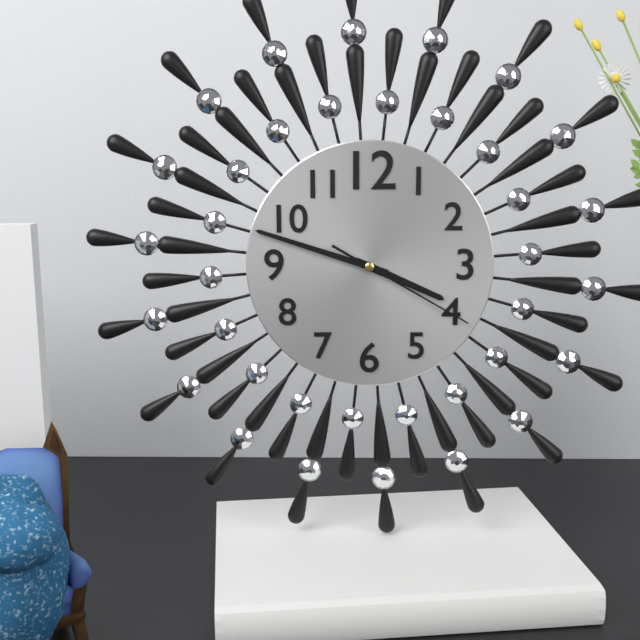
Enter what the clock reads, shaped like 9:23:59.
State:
3:48:20
